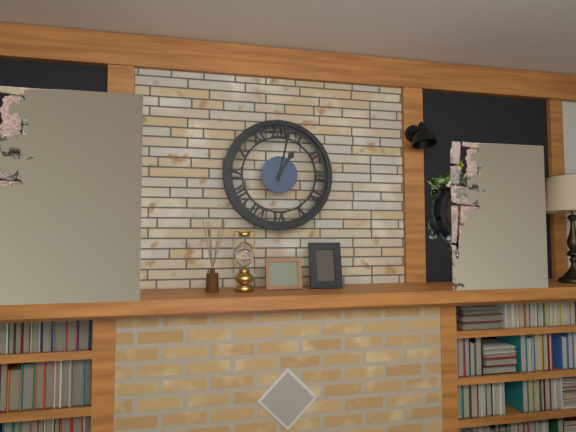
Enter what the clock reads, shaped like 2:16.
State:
1:02
